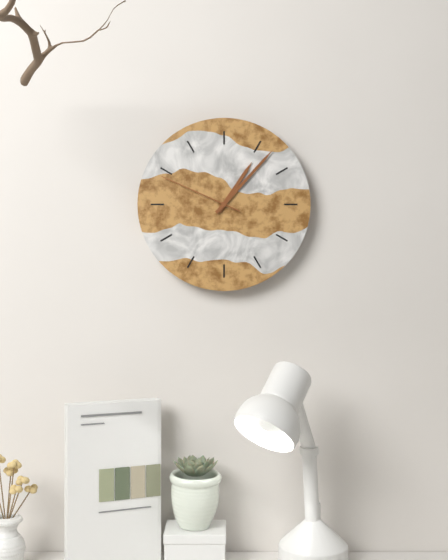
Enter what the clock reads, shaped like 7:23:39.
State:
1:07:49
